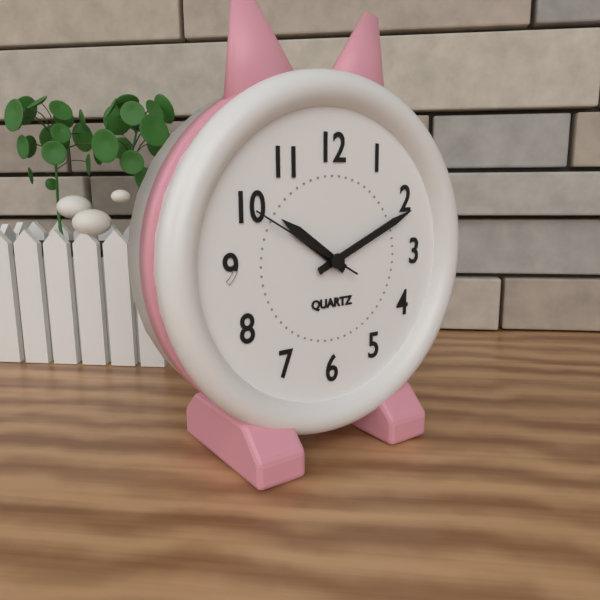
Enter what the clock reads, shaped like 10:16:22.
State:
10:11:50
